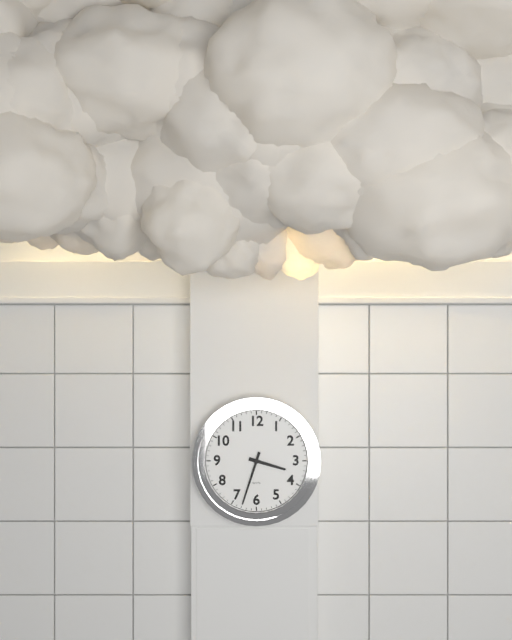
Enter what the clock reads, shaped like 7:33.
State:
3:33
